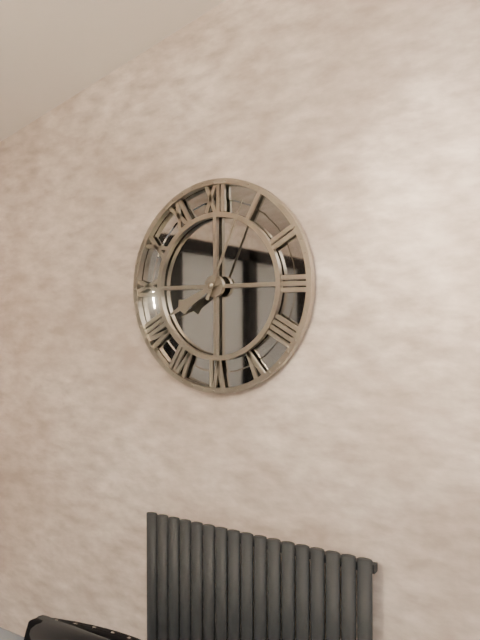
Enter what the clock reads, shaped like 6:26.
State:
8:04
